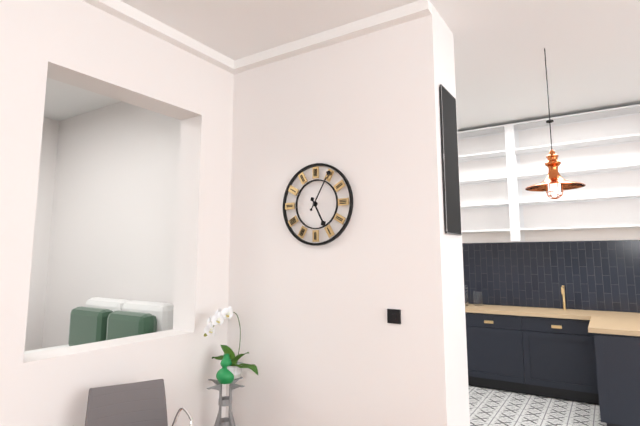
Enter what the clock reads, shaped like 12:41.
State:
5:05
